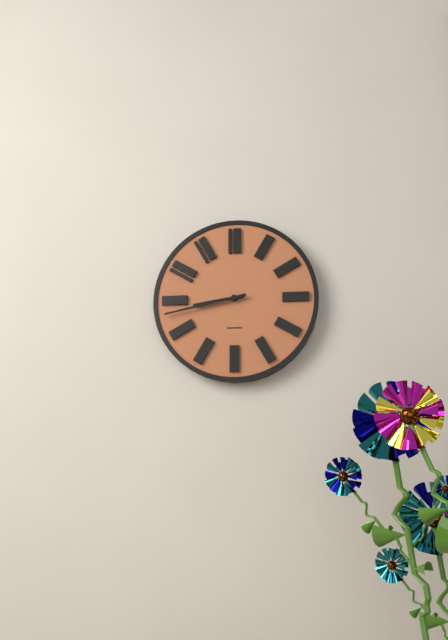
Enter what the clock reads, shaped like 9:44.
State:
8:43
